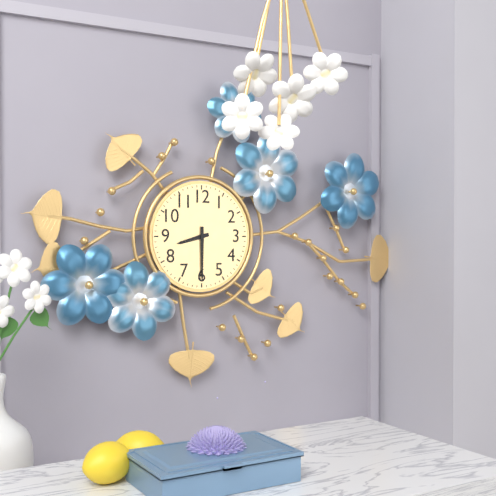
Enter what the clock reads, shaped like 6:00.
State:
8:30
